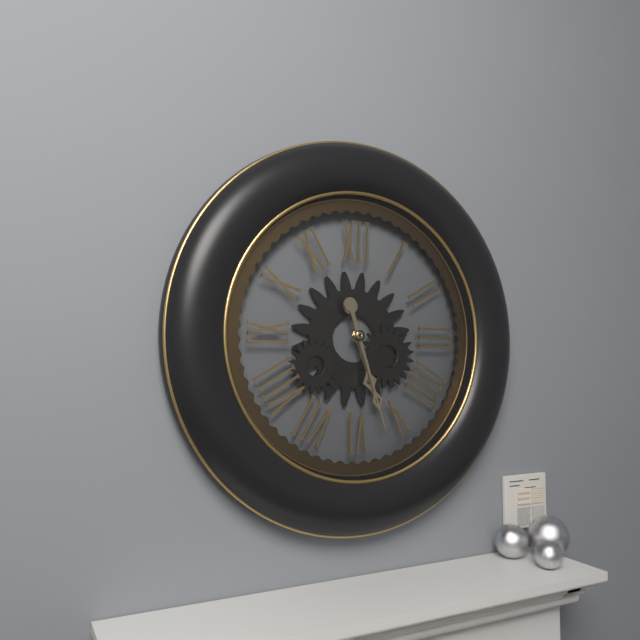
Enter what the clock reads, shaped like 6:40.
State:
5:27
